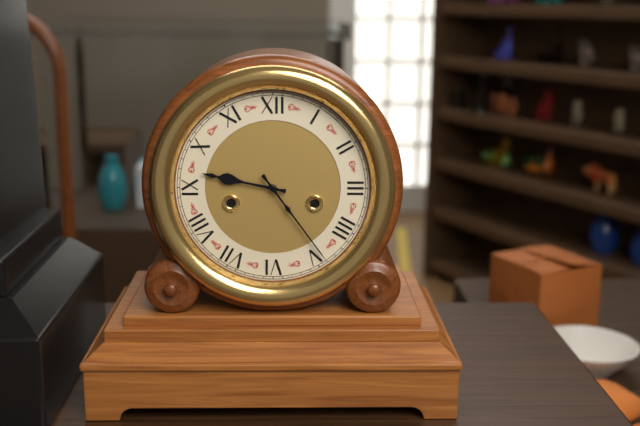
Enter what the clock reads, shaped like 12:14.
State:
9:24
